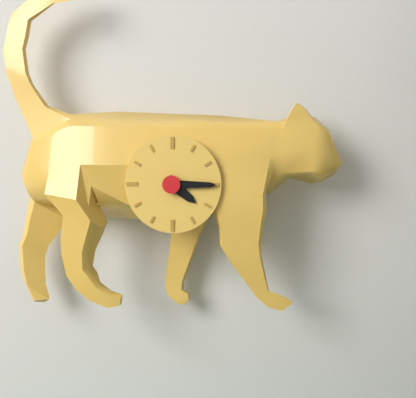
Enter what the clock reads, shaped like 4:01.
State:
4:15
